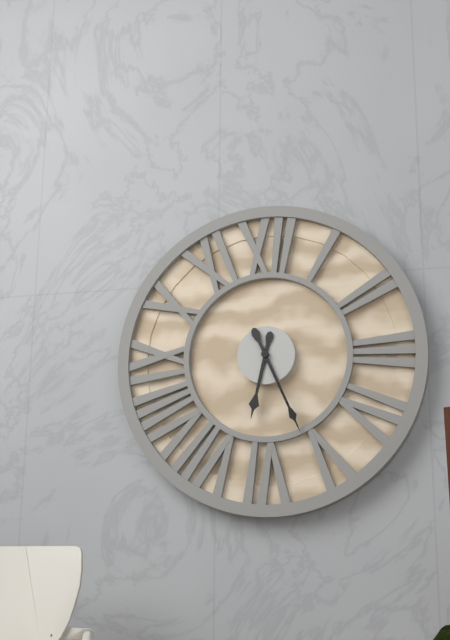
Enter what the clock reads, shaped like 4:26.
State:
6:26
